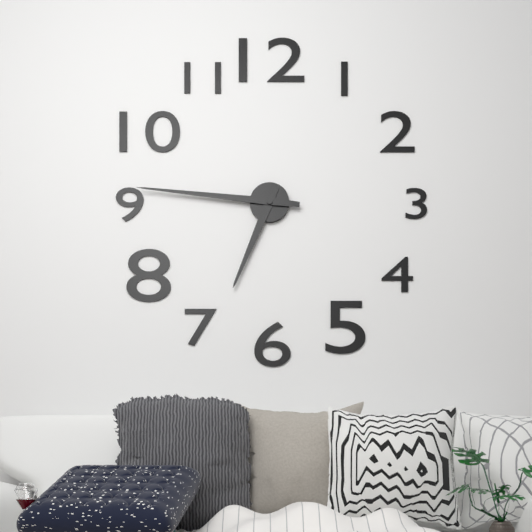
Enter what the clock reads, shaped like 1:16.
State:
6:46
